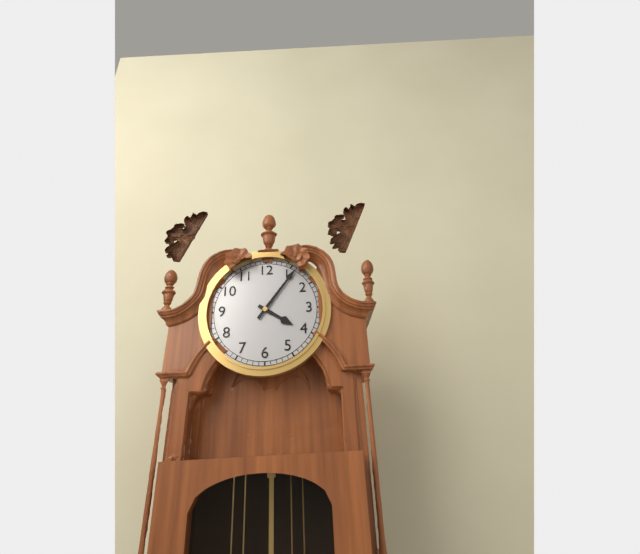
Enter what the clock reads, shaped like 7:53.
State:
4:06
